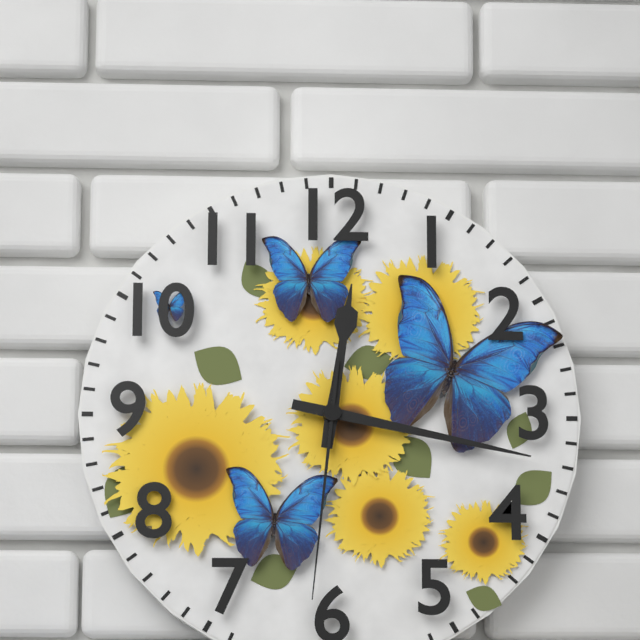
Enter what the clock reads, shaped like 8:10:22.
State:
12:17:31
